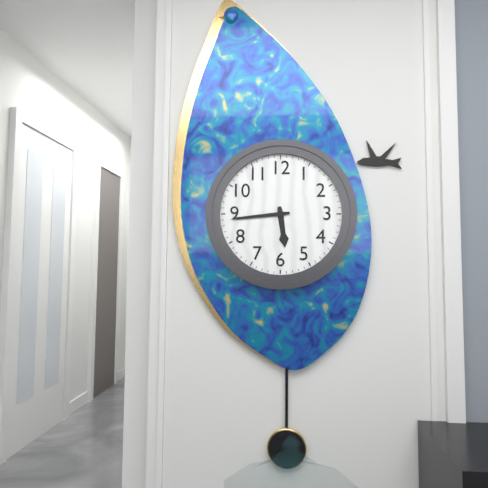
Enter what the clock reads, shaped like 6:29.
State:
5:44
